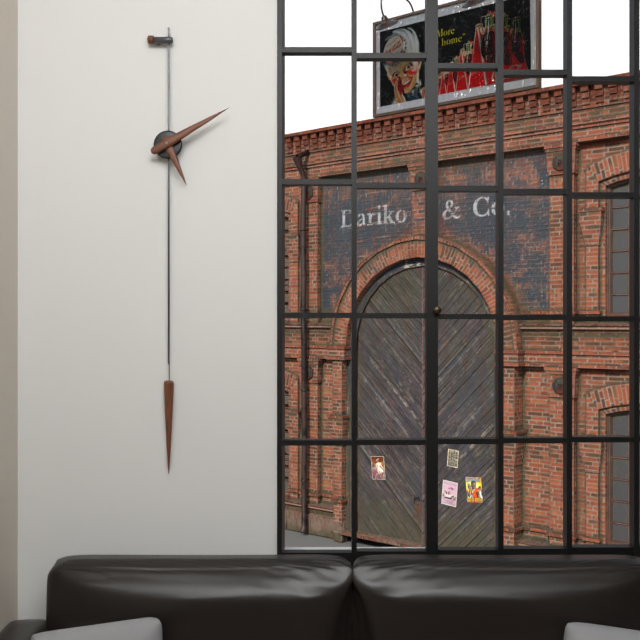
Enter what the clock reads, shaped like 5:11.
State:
5:10
